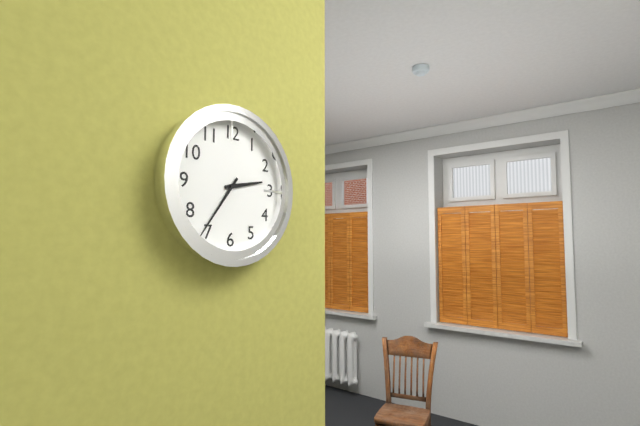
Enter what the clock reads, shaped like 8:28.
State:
2:36
